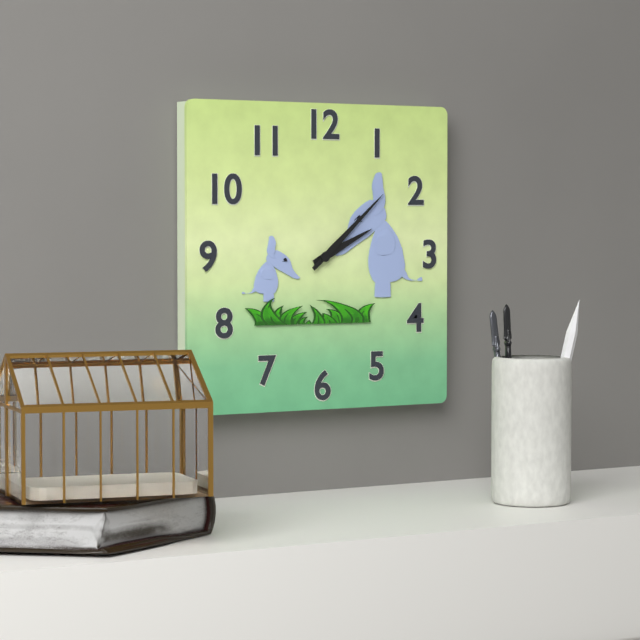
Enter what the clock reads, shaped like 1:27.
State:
2:08
